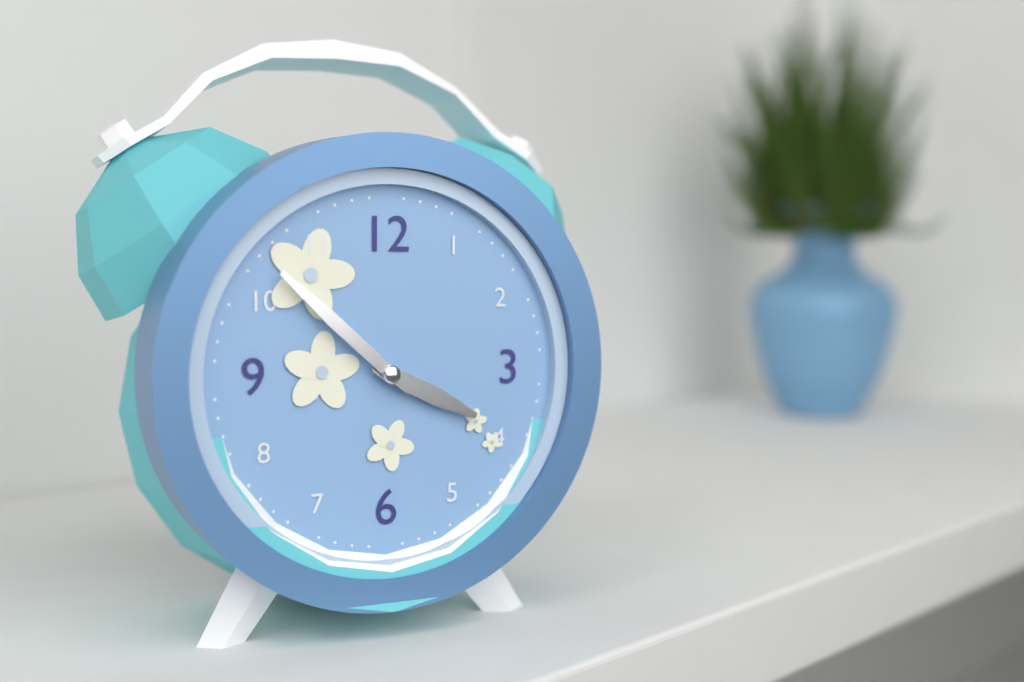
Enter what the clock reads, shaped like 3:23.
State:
3:52
